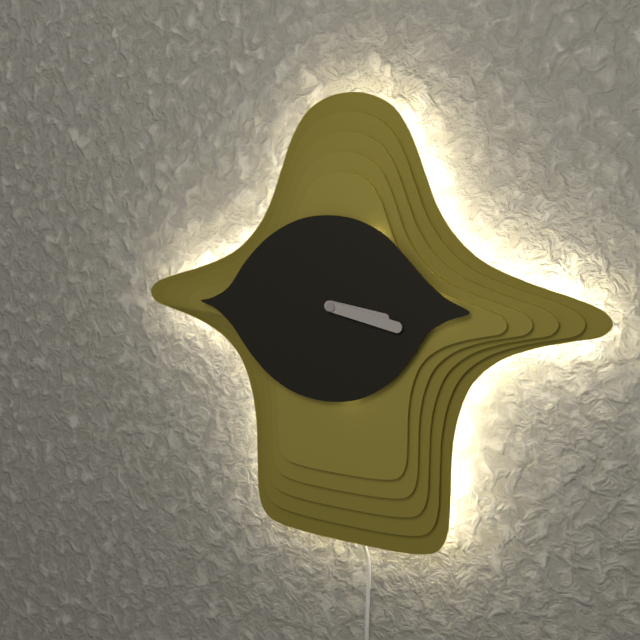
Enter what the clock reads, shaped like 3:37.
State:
3:17
